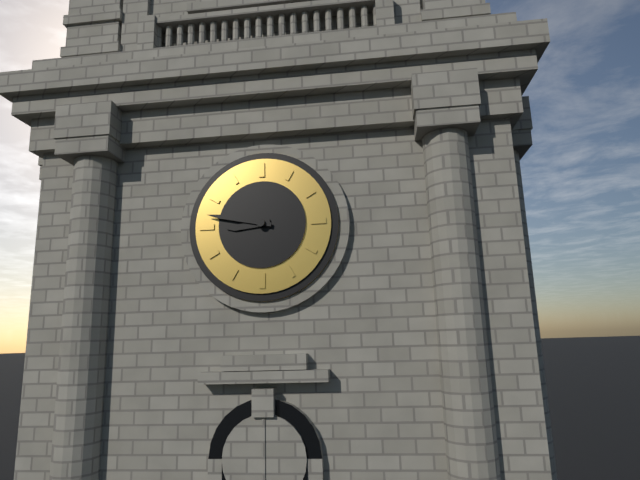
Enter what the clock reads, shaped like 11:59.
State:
8:47
